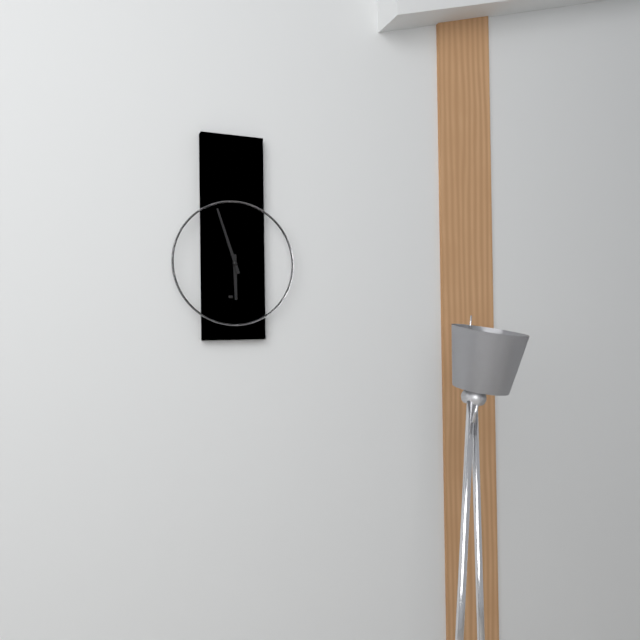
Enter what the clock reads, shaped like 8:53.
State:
5:57
